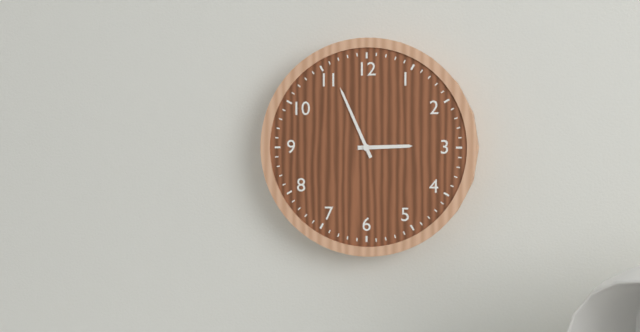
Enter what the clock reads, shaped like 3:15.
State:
2:56
